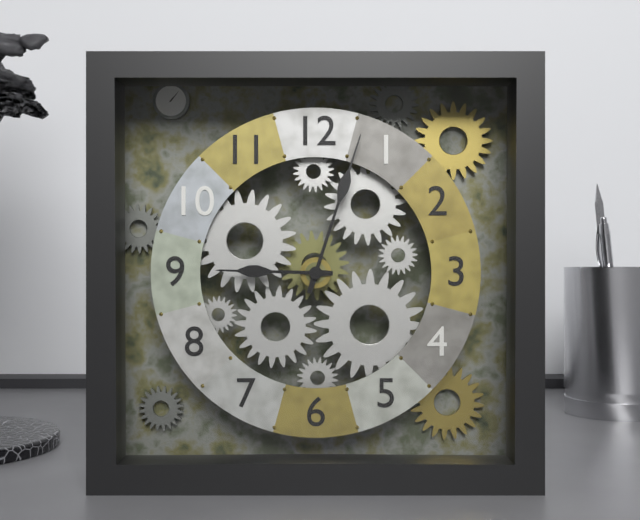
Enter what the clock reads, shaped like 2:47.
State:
9:03
